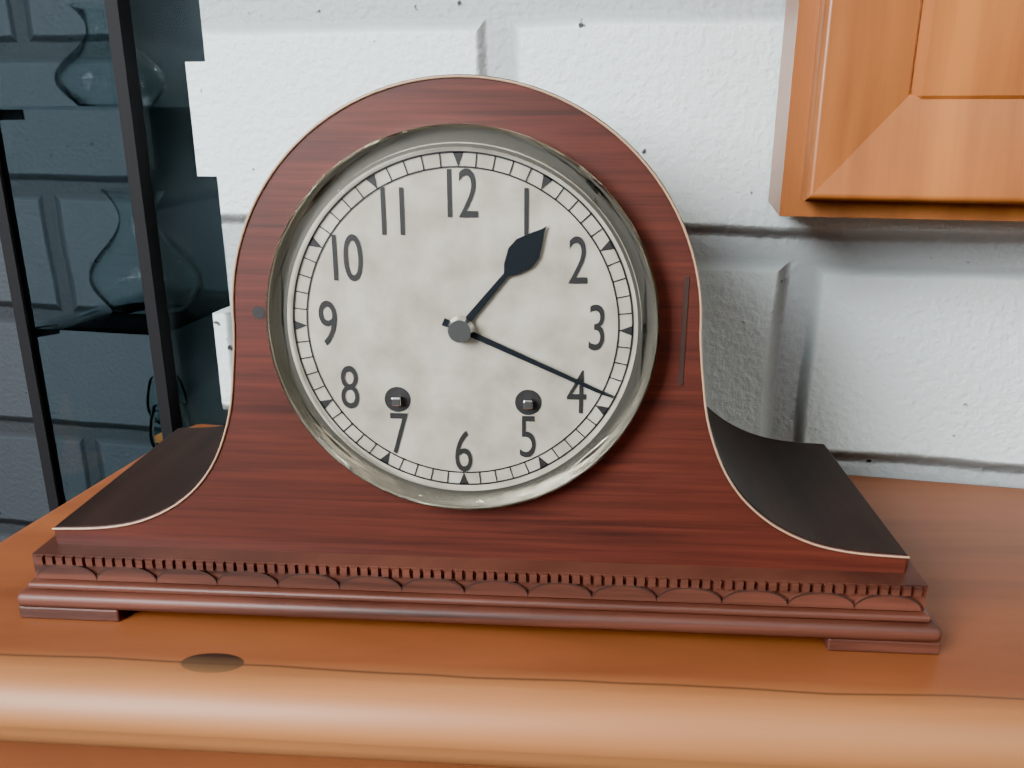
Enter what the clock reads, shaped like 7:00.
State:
1:19
